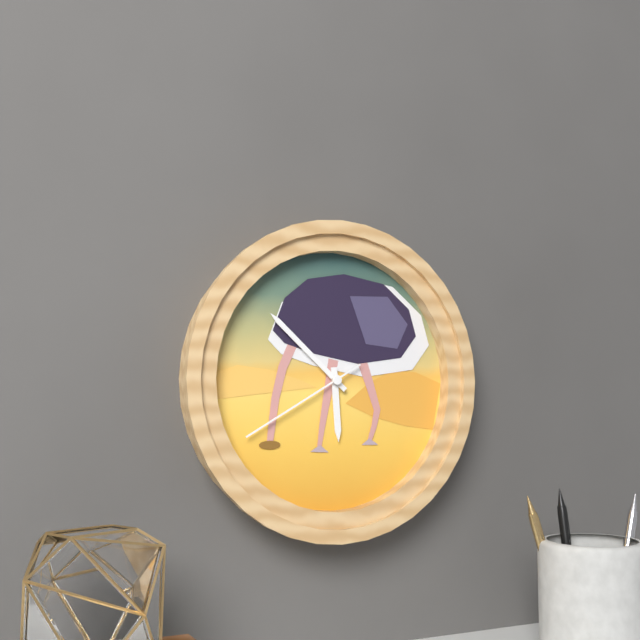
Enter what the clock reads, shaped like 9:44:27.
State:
5:52:40
